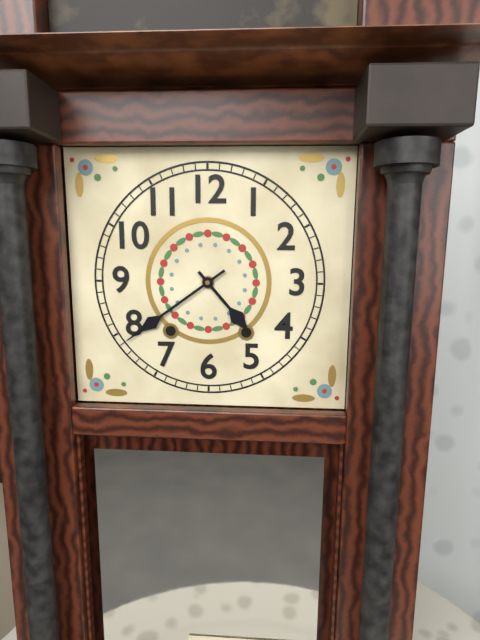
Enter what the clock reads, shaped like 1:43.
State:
4:39
